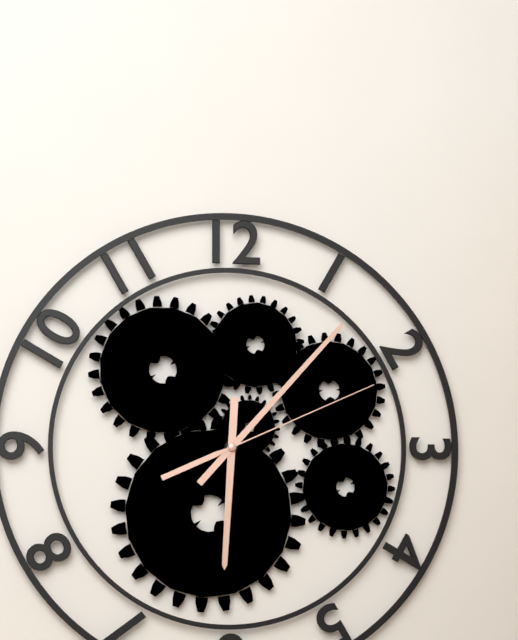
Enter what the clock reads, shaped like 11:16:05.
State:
6:07:11
